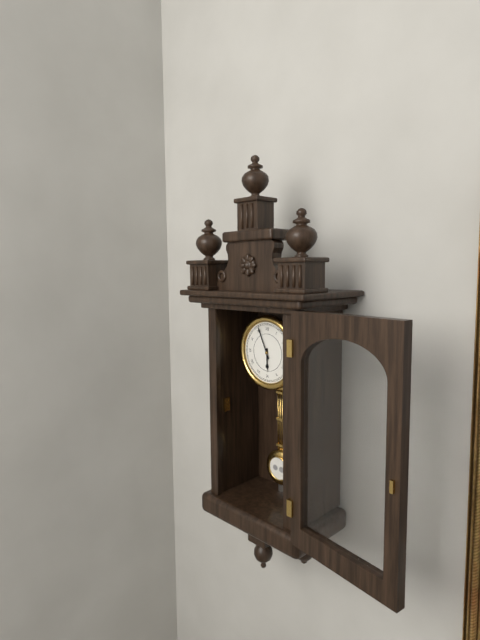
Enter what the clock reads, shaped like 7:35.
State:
5:56
